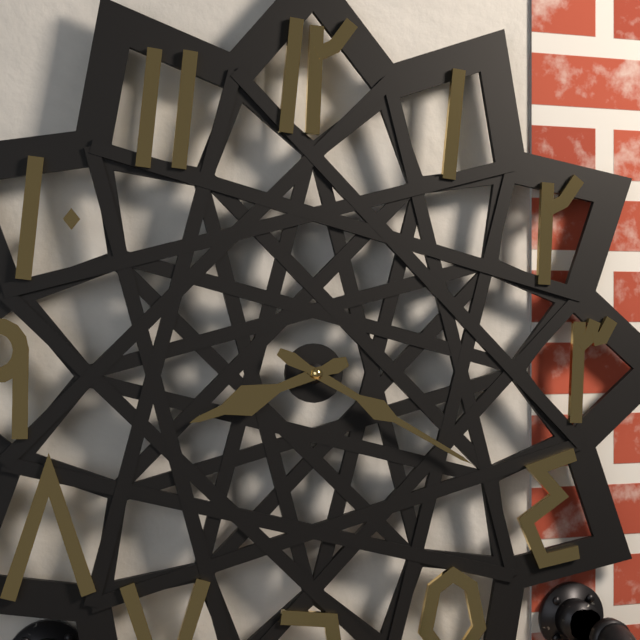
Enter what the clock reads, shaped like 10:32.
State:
8:20
